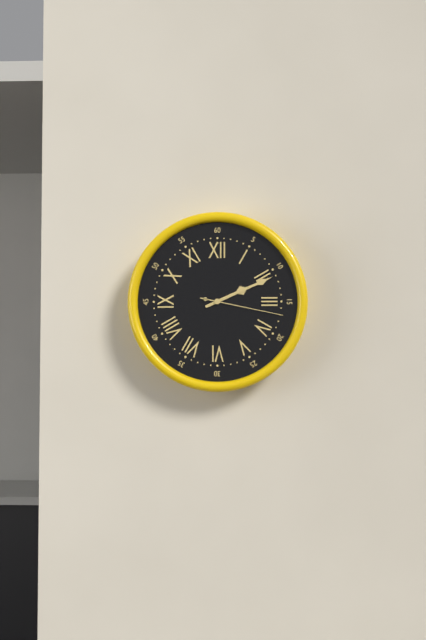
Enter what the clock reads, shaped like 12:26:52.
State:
2:11:17
